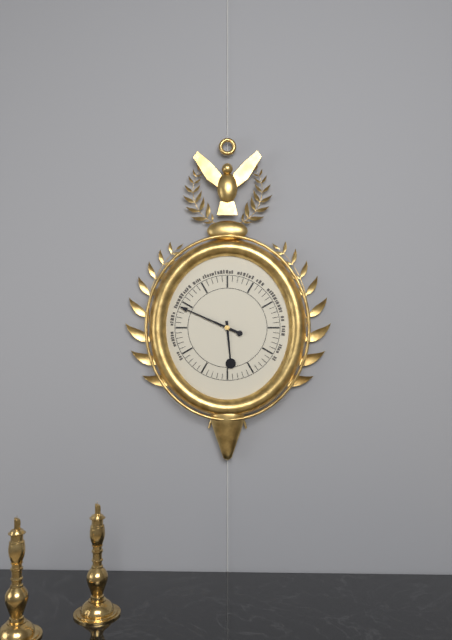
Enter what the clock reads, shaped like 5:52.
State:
5:49
